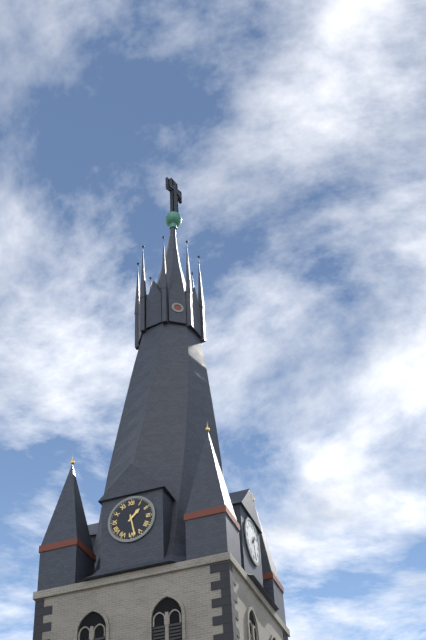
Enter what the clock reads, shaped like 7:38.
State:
1:28
